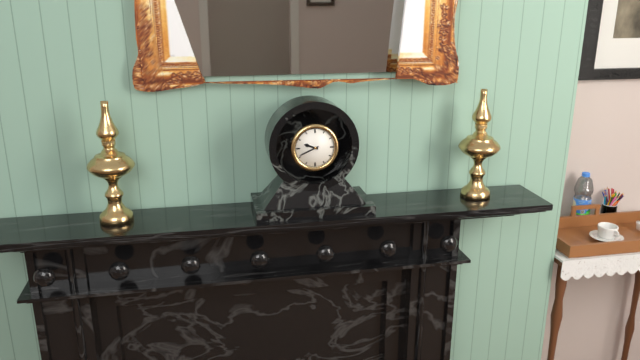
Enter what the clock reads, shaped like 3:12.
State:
9:41
